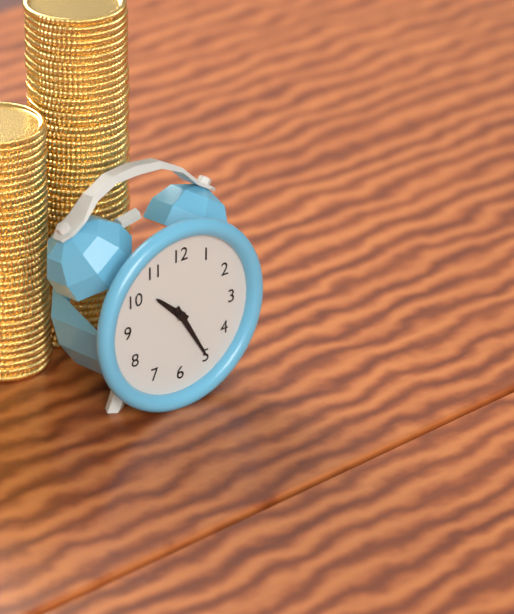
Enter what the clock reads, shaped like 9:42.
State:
10:25
